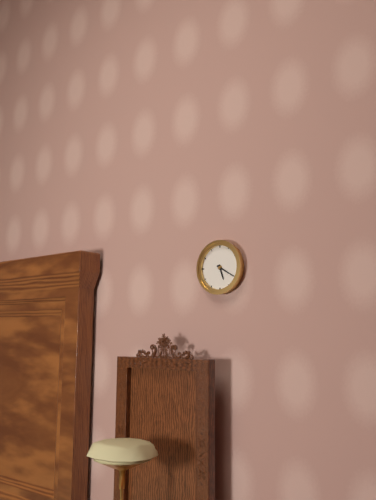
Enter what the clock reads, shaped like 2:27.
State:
5:20
